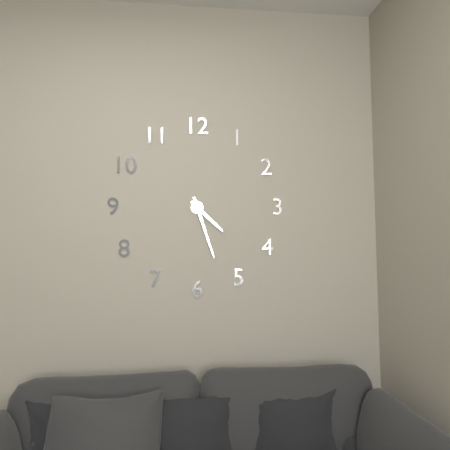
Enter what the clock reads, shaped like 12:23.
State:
4:27
